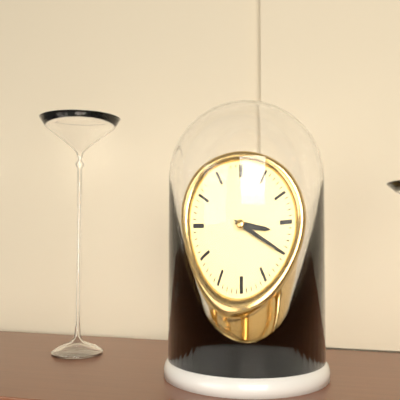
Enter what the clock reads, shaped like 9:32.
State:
3:20
